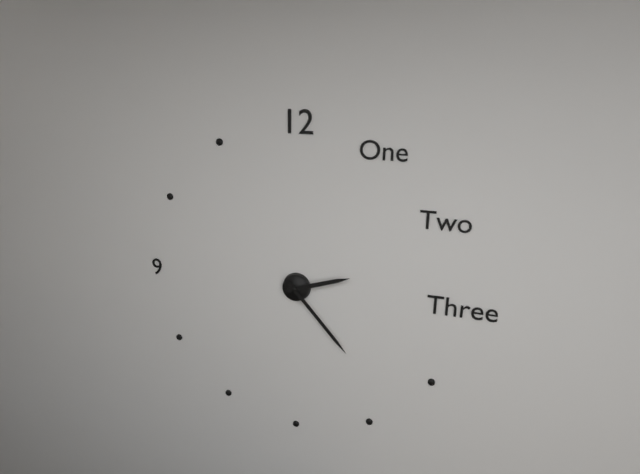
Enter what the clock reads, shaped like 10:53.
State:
2:23
